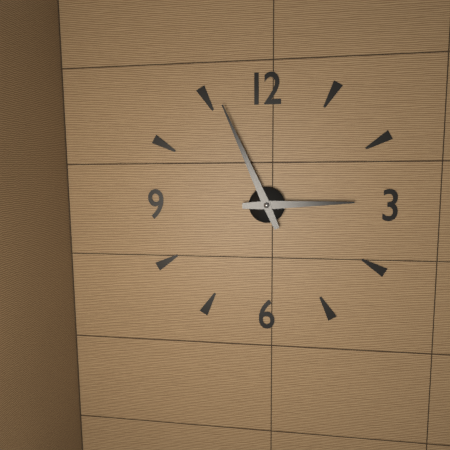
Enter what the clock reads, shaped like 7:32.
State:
2:56
